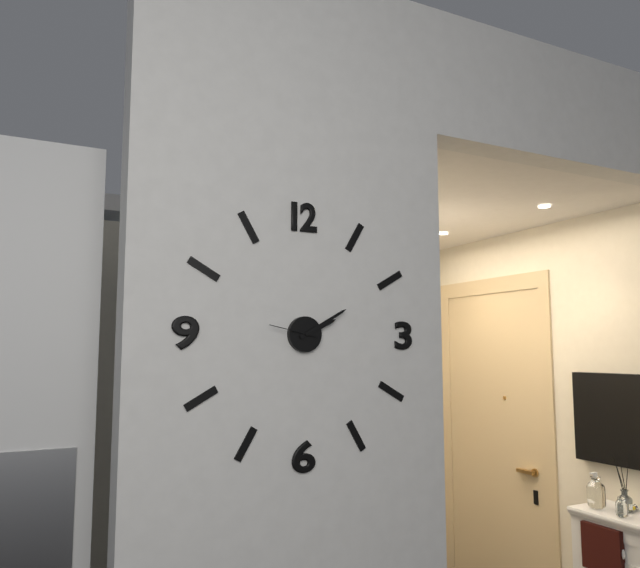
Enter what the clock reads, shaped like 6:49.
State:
2:10
